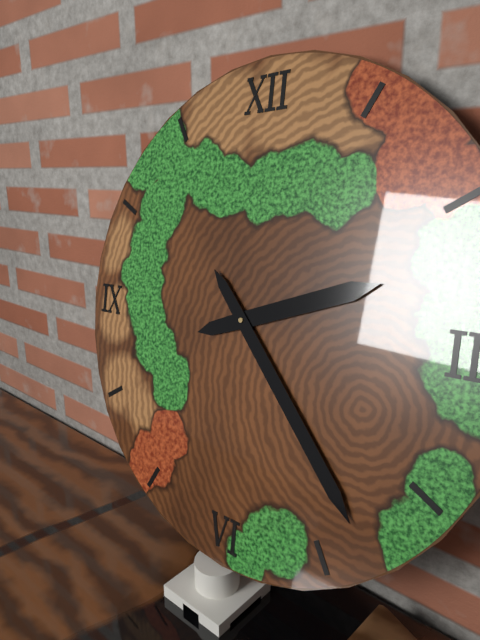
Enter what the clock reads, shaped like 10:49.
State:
2:23
